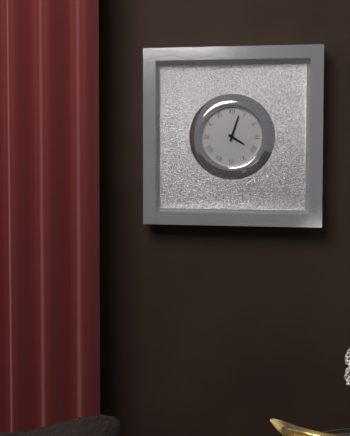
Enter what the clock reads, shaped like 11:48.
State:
4:03
